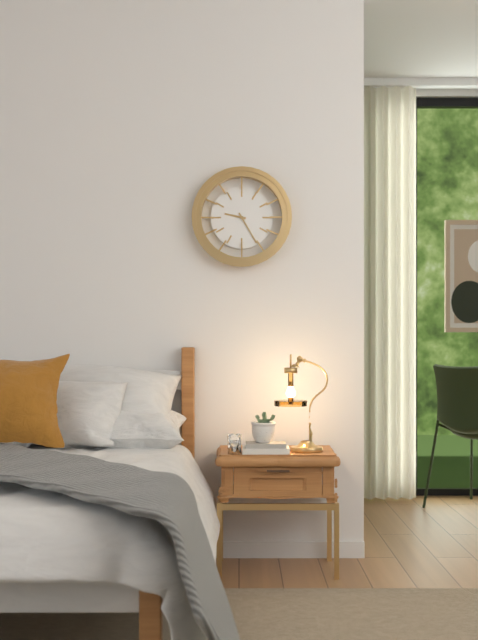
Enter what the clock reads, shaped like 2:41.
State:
9:25
